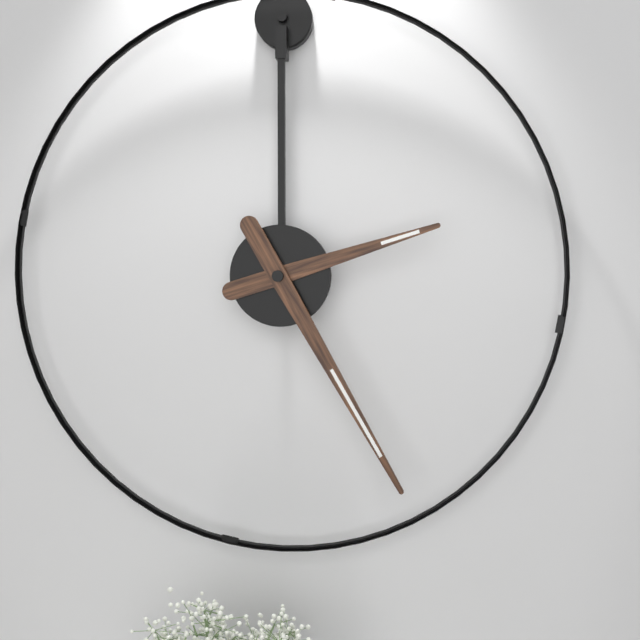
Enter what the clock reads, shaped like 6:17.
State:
2:25
